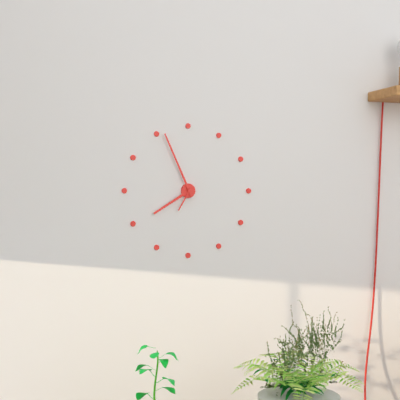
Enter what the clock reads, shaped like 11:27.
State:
7:56
